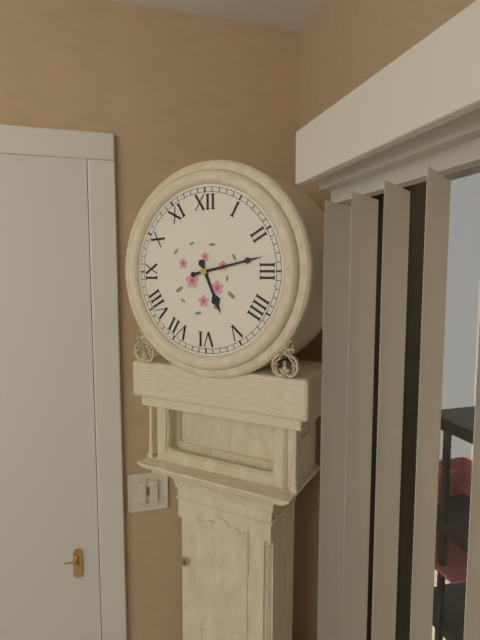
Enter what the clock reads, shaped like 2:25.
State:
5:13
